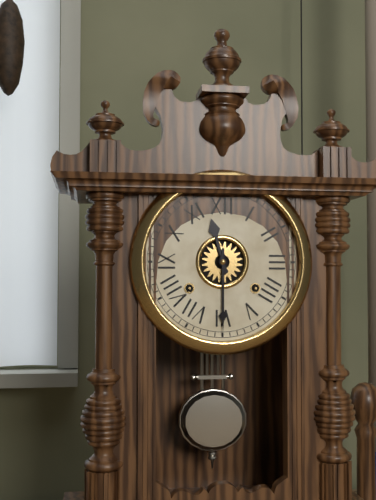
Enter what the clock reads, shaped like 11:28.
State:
11:30
